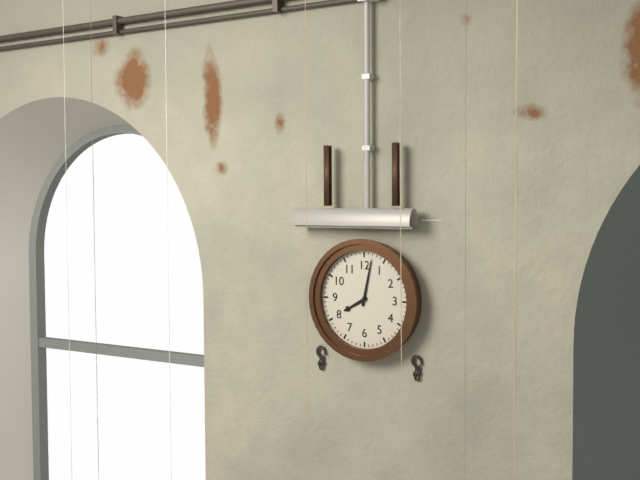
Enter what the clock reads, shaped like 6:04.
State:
8:02
